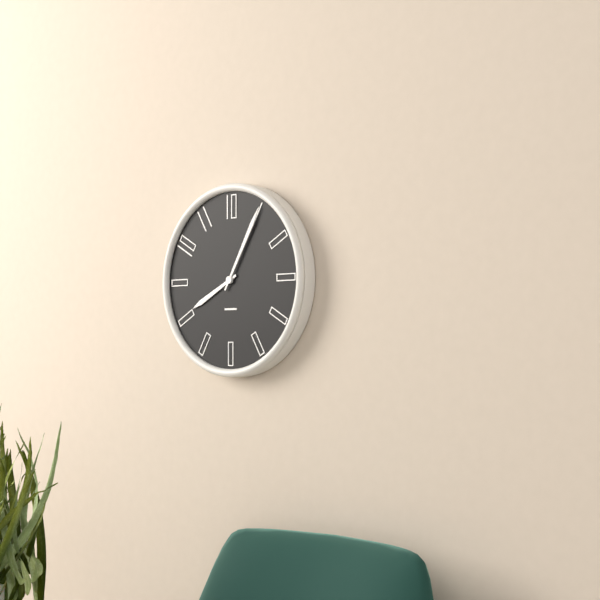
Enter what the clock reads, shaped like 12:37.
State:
8:05
